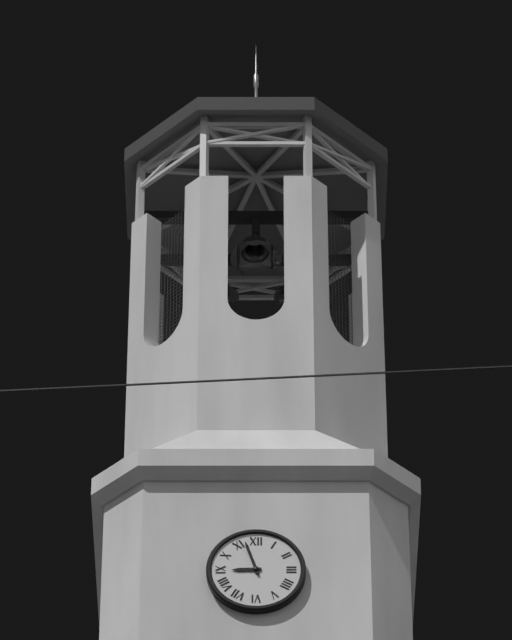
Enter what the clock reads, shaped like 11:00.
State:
8:57
